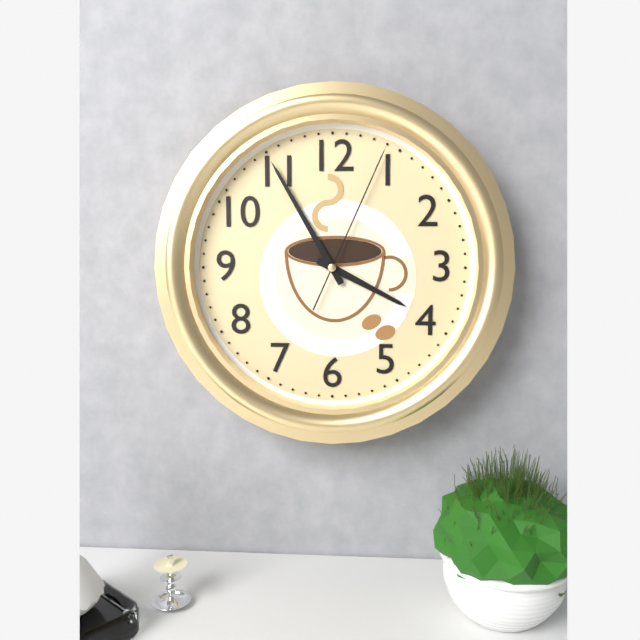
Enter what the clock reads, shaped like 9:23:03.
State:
3:55:04
